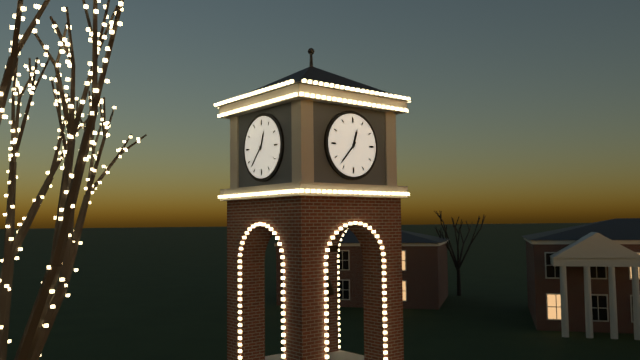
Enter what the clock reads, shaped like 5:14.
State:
12:37
